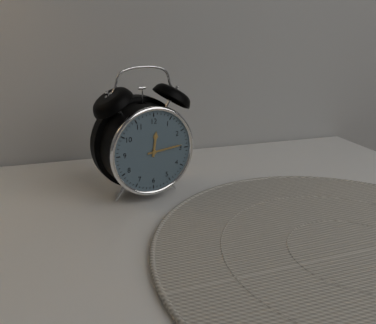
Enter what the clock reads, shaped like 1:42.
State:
12:14
